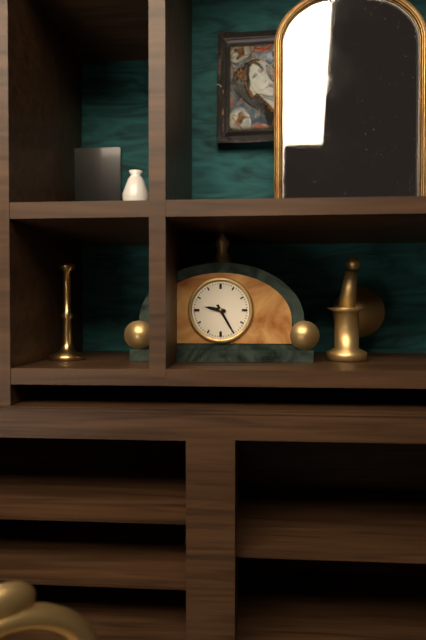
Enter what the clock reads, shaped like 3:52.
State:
9:25
